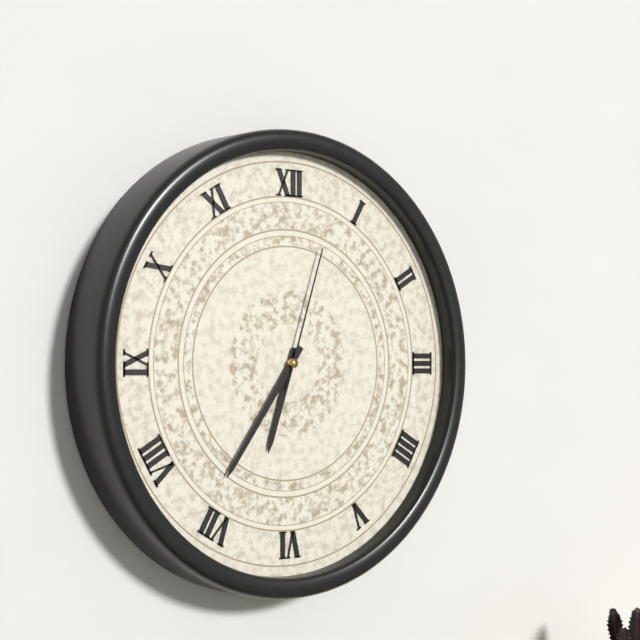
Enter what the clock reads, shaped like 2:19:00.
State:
6:36:03
